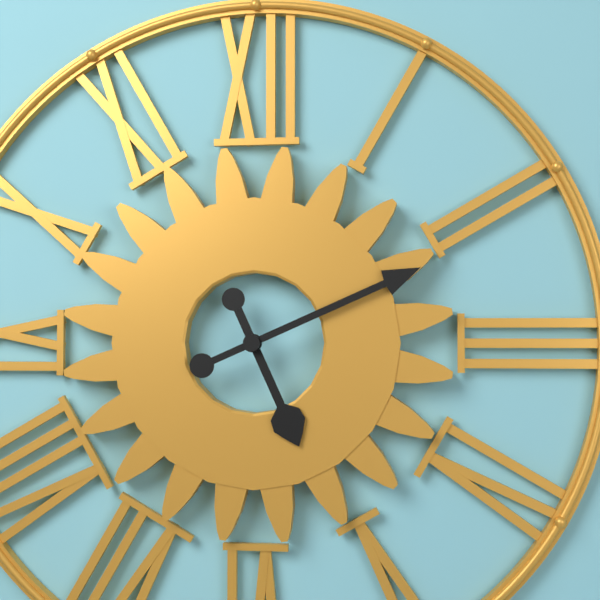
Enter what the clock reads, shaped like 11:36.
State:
5:11
